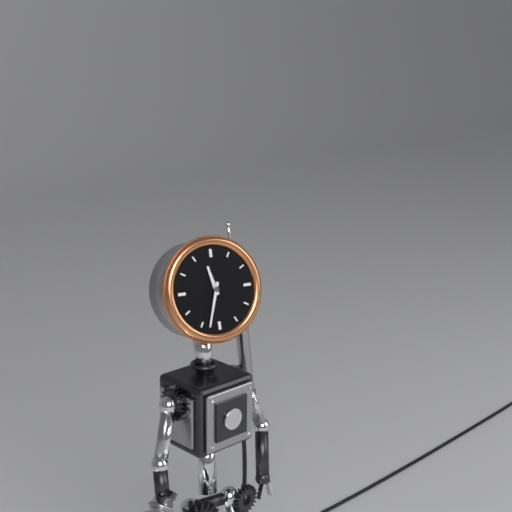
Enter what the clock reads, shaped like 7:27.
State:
11:33
